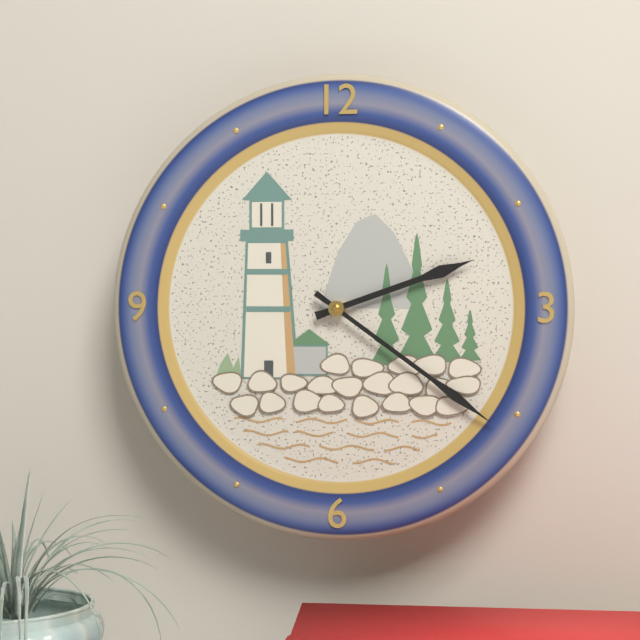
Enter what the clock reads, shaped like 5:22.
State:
2:21
